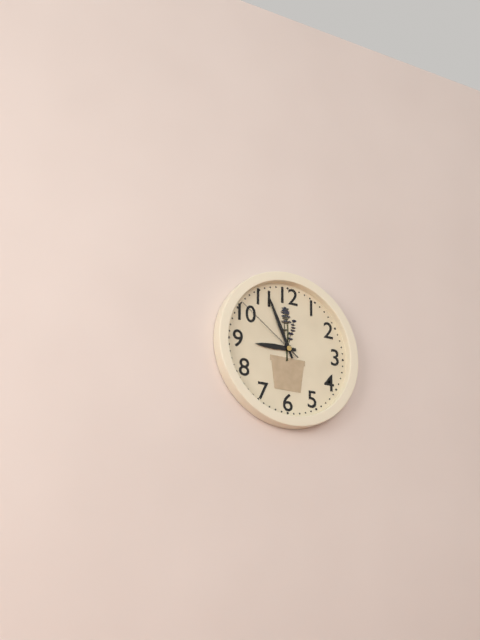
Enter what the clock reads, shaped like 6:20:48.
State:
8:56:51
